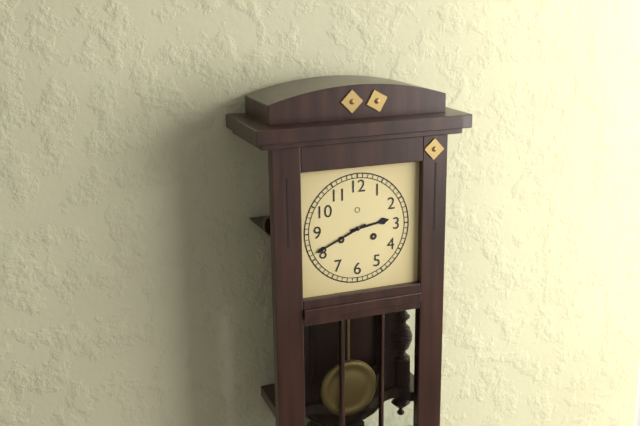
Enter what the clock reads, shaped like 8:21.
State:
2:41
